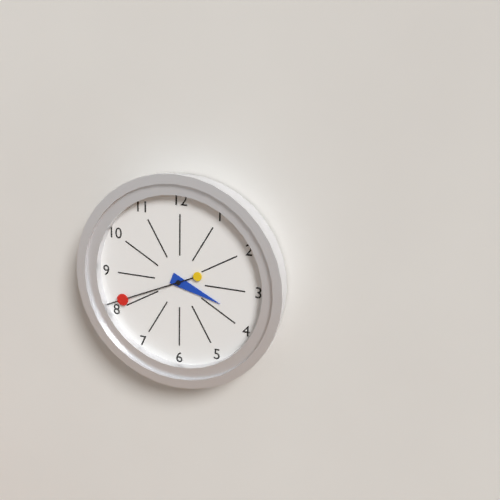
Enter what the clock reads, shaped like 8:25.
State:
3:41
